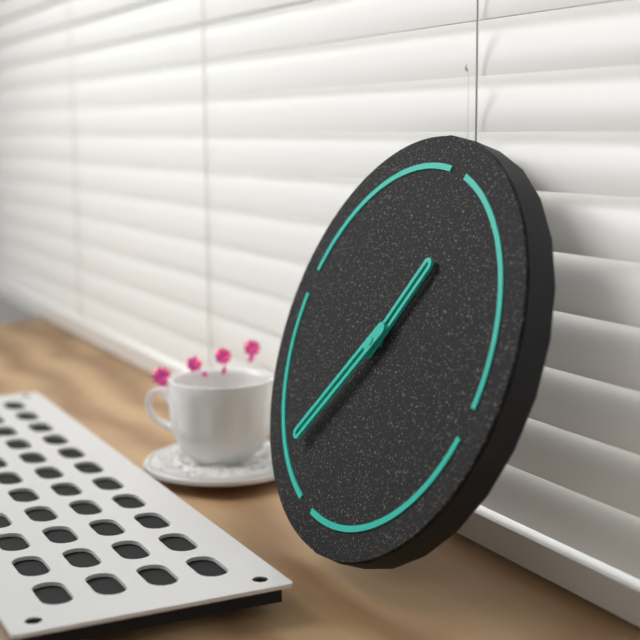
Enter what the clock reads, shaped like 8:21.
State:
12:34
